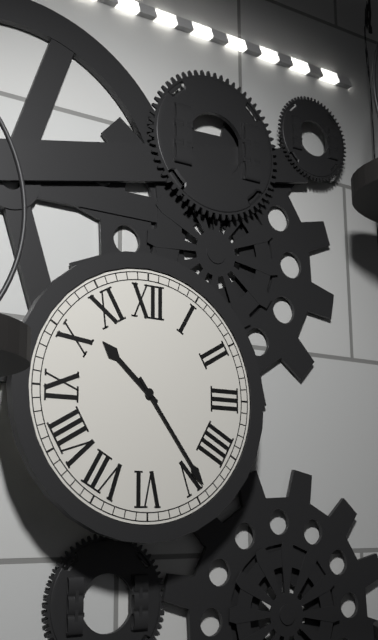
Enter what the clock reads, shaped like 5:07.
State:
10:24
